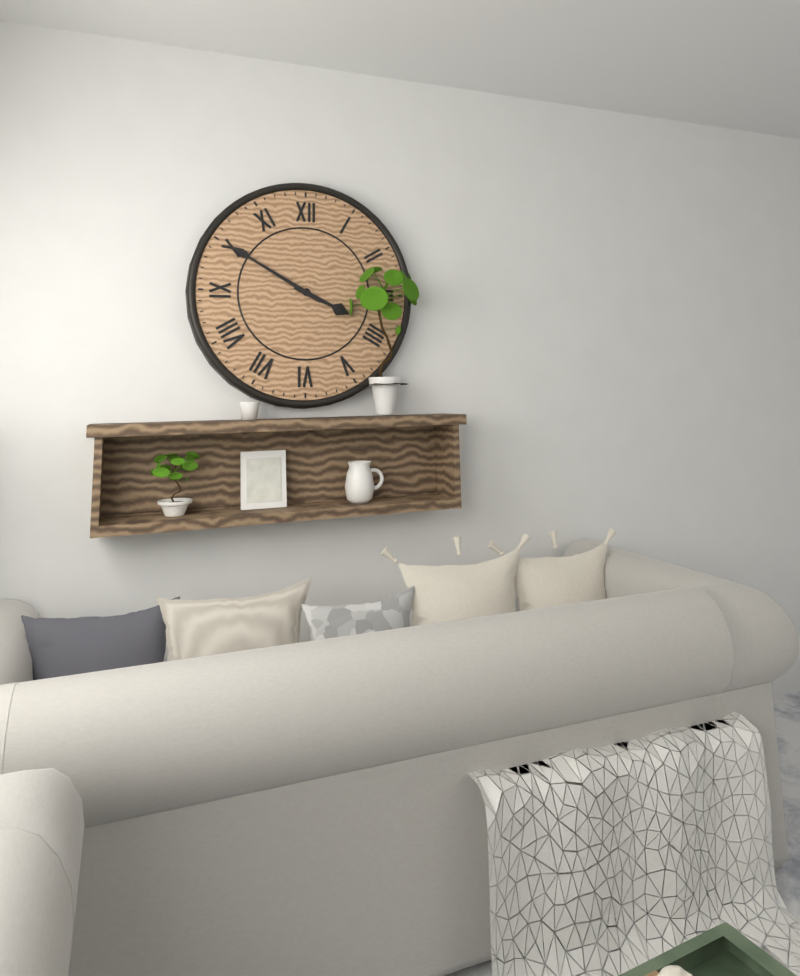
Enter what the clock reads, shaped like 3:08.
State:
3:50
